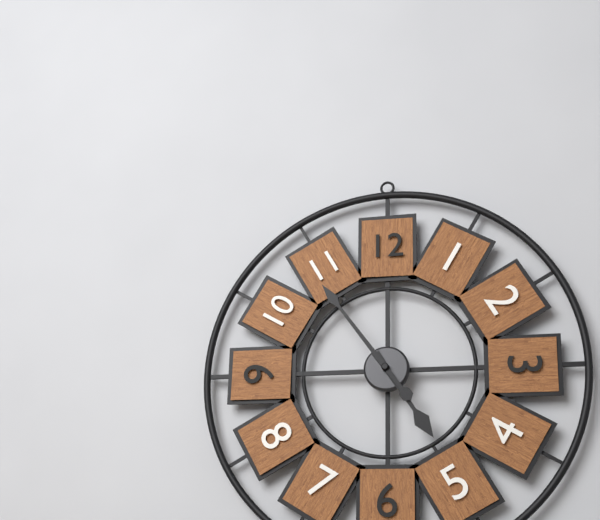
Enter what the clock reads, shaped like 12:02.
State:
4:54
